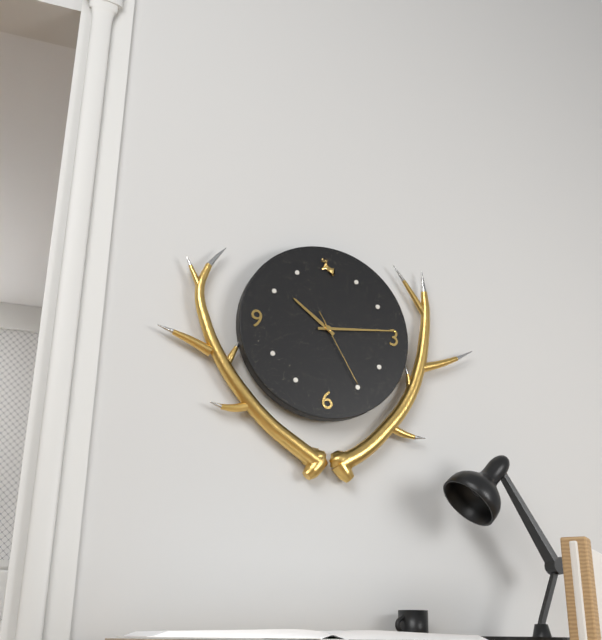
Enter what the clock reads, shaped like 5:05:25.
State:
10:14:25
